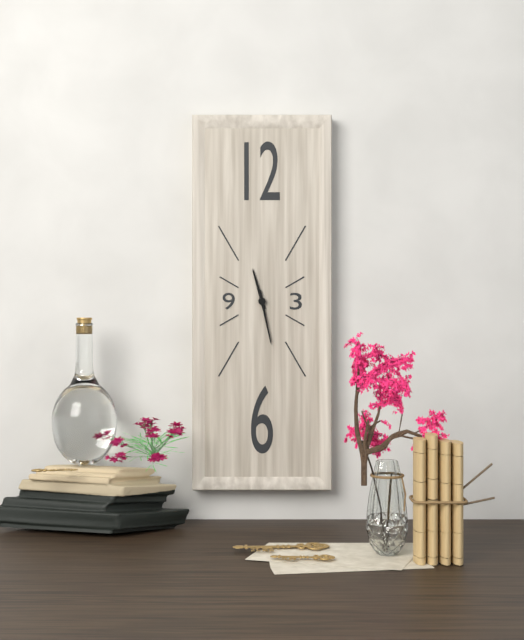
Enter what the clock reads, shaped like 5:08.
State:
11:28
